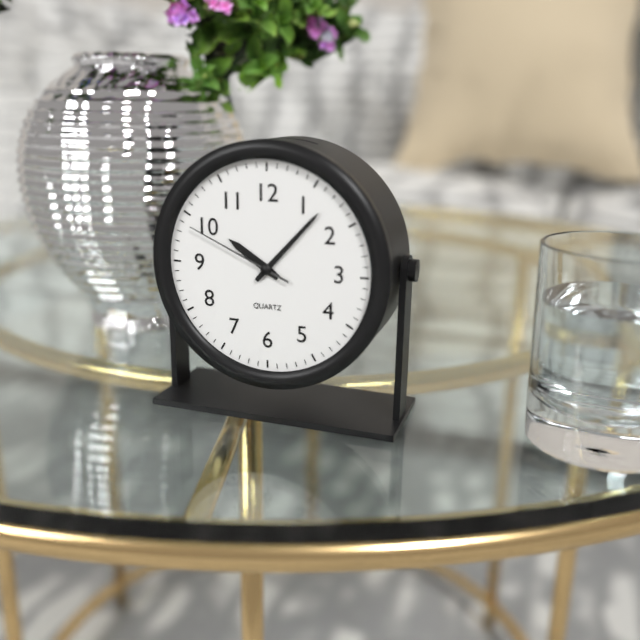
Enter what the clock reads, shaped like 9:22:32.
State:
10:07:49
